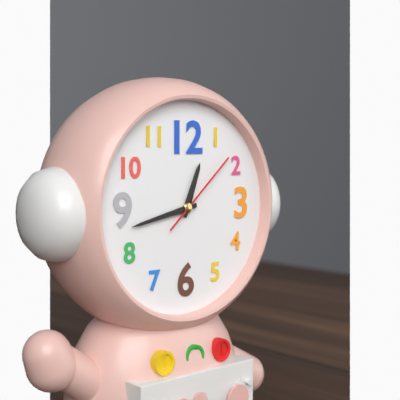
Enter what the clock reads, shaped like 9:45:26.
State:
12:43:08
